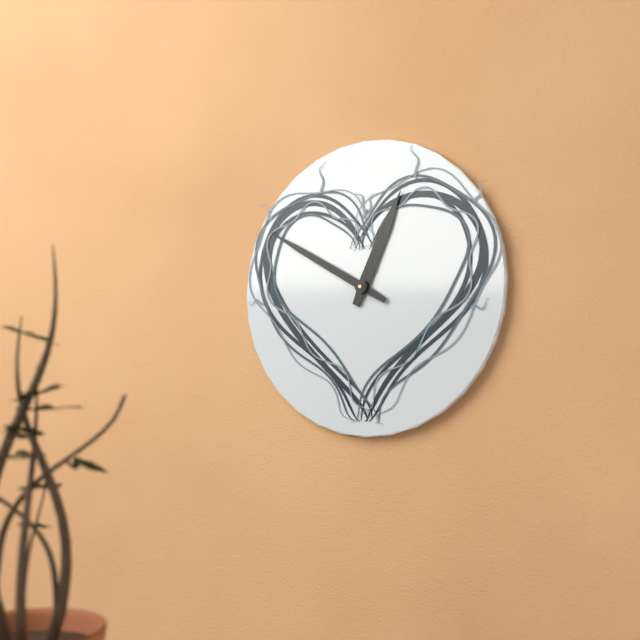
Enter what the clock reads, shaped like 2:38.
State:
12:50
